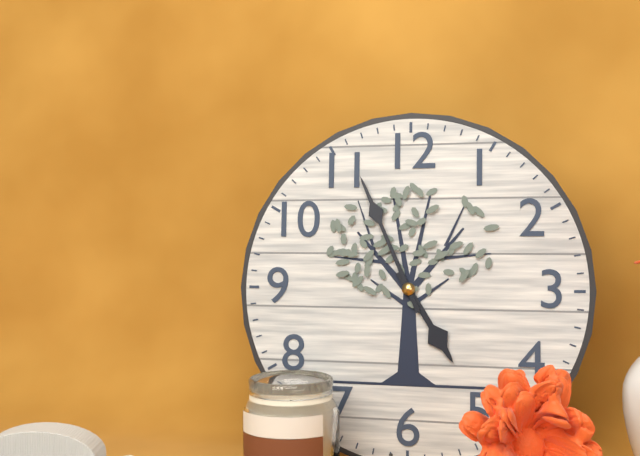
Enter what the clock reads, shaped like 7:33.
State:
4:56
